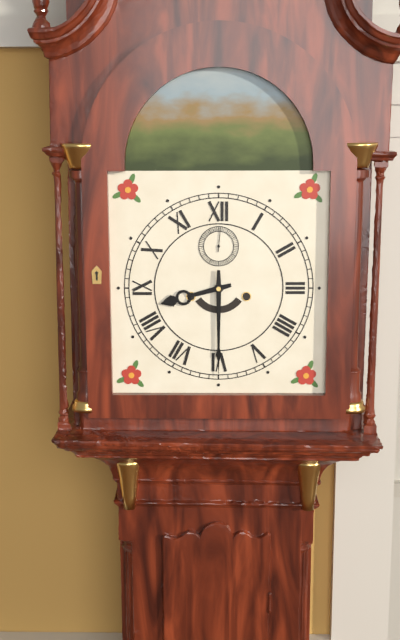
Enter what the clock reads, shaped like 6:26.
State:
8:30
